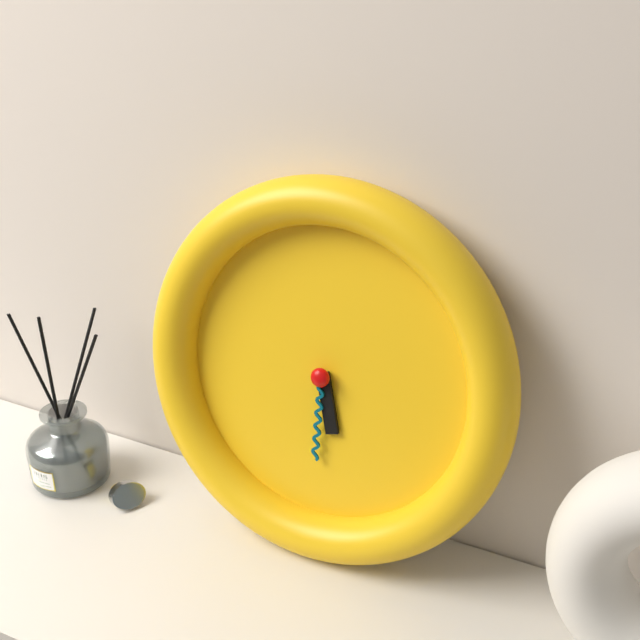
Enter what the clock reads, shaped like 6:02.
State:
5:30
